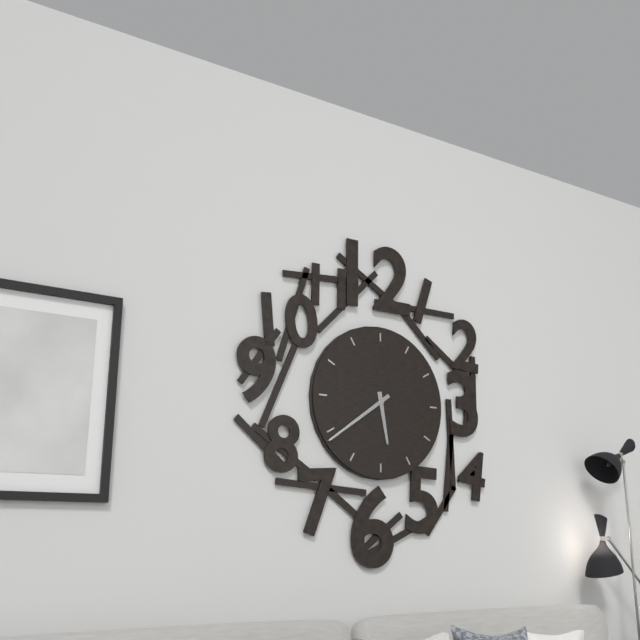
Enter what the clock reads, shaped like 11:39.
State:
5:39
